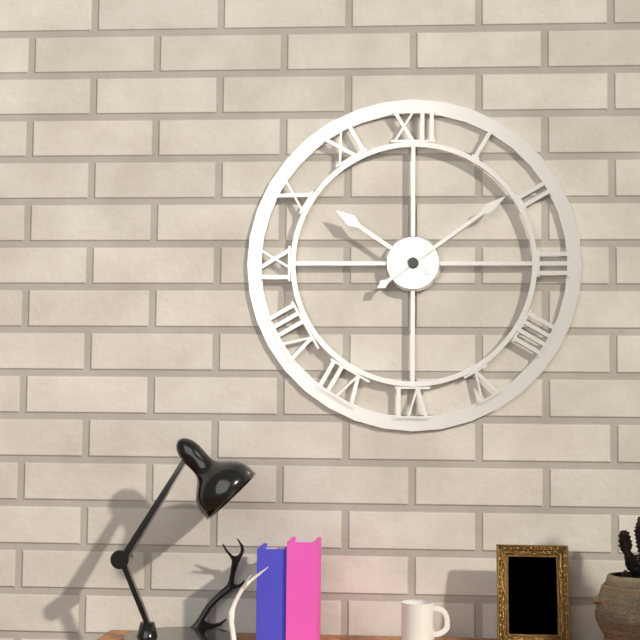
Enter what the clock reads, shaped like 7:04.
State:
10:09
